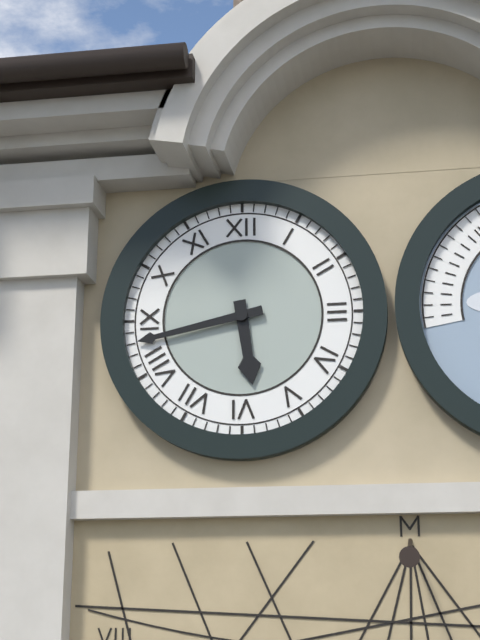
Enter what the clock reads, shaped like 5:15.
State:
5:43
